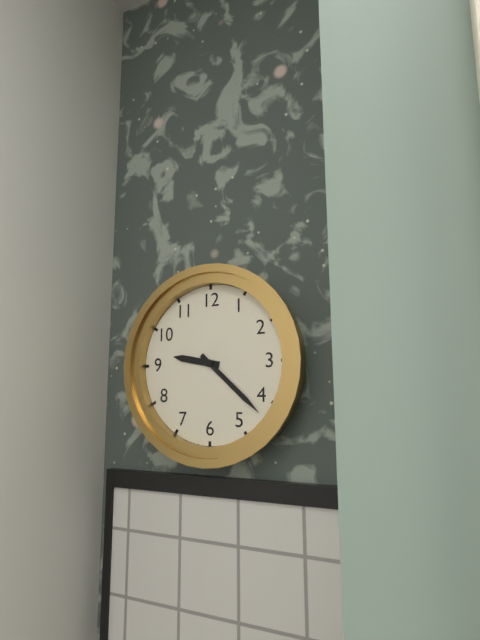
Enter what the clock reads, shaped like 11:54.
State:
9:22
